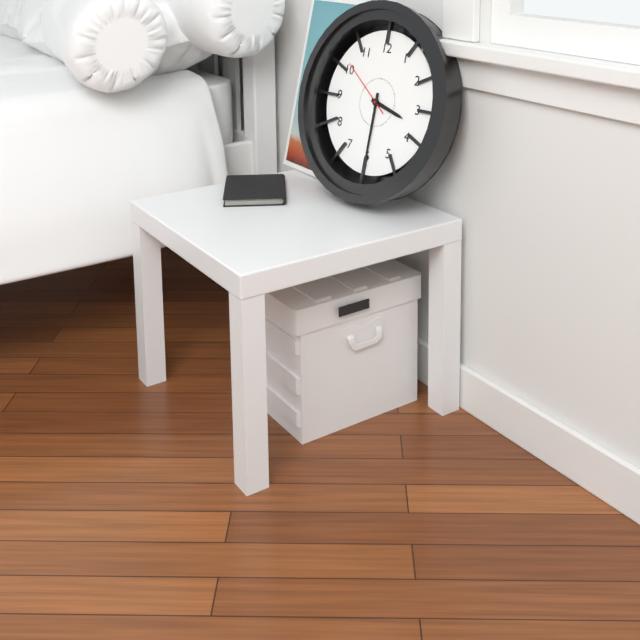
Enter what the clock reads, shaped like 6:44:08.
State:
3:30:51
